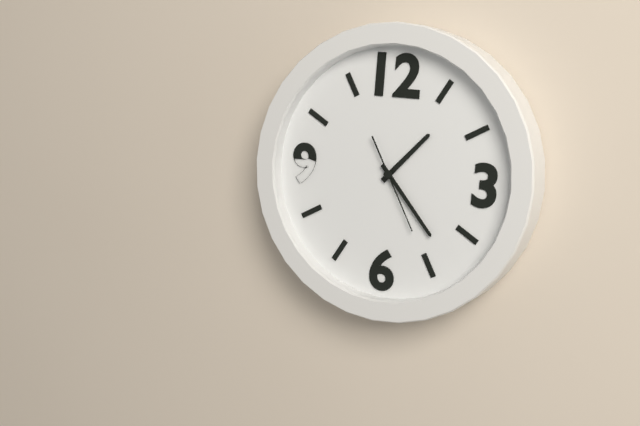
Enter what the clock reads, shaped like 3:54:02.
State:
1:23:25
